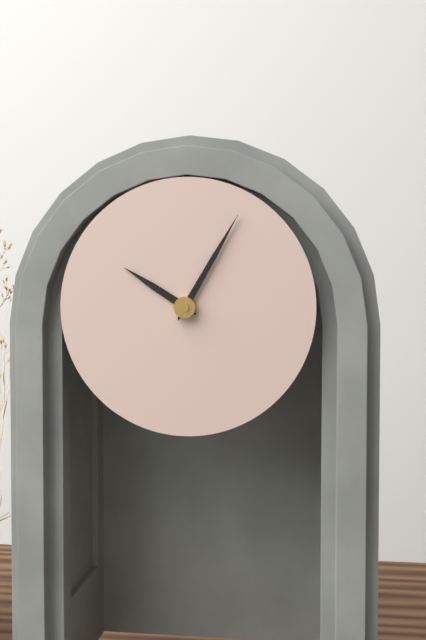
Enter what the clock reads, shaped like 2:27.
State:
10:05
